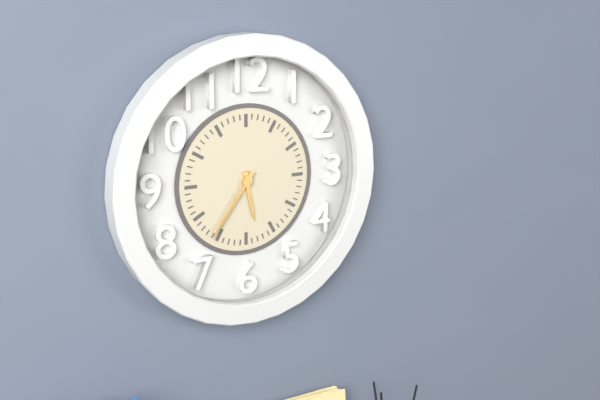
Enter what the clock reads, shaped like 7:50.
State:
5:36
